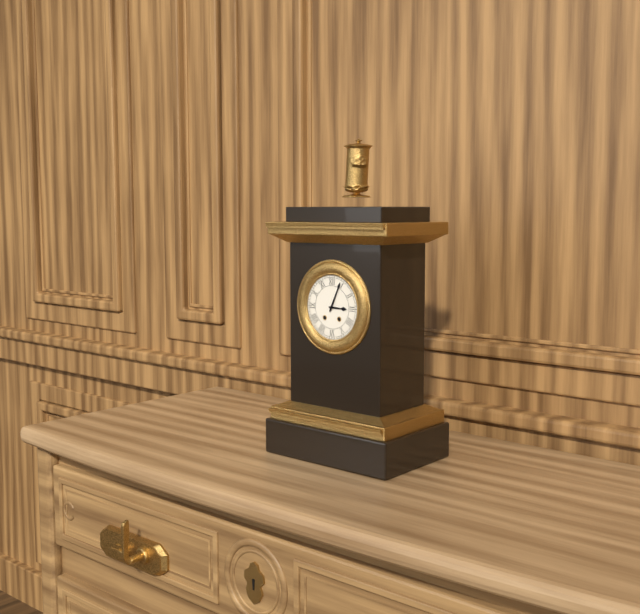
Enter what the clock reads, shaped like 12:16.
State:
3:04
